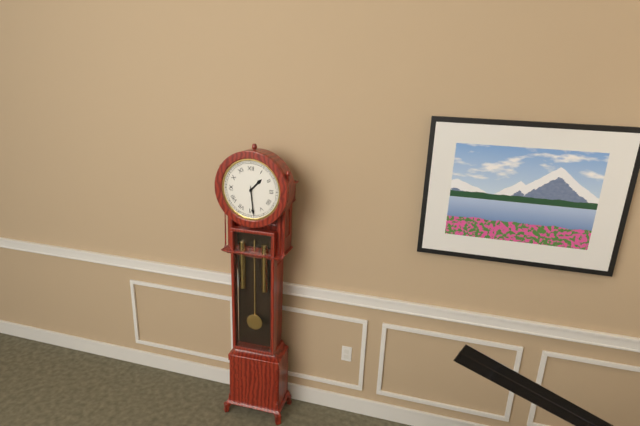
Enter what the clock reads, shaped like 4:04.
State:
1:29
